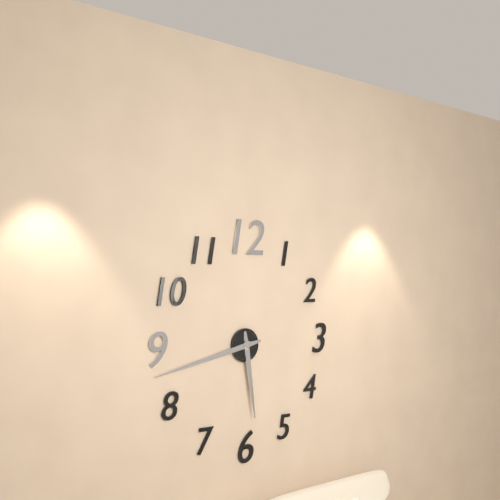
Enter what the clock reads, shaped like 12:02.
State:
5:43
